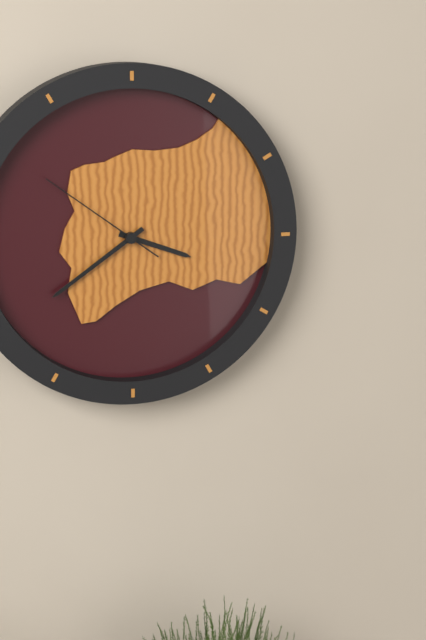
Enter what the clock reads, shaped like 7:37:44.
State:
3:39:51
